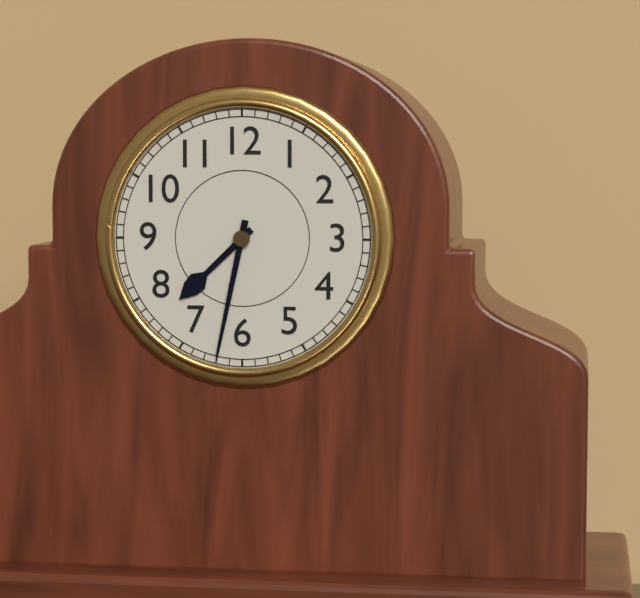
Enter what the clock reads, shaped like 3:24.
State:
7:32
